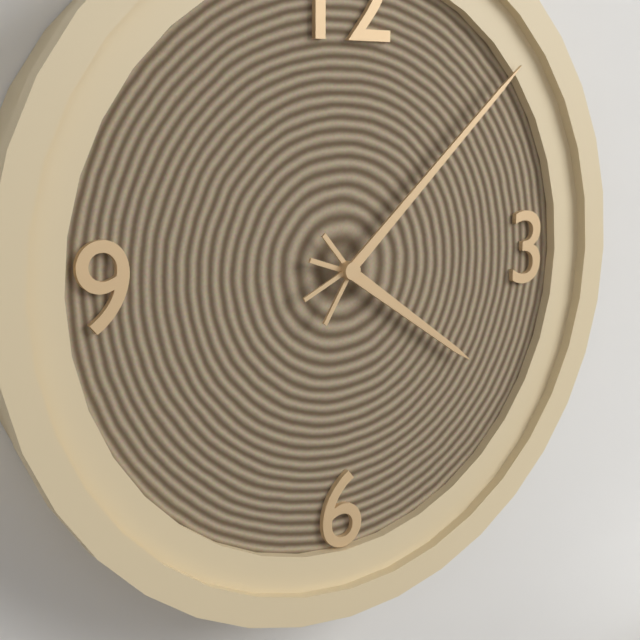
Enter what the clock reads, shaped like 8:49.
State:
4:08
